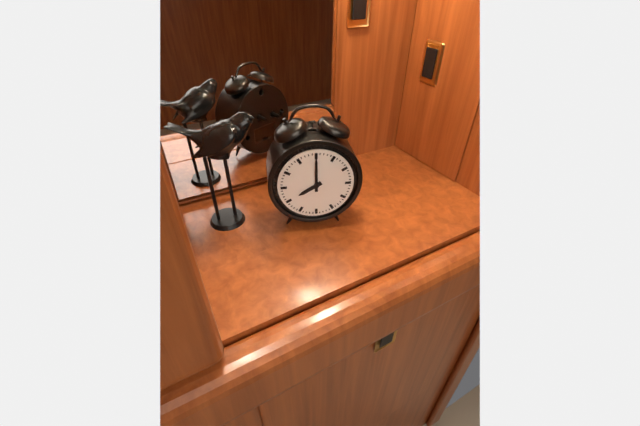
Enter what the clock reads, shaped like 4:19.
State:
8:00
